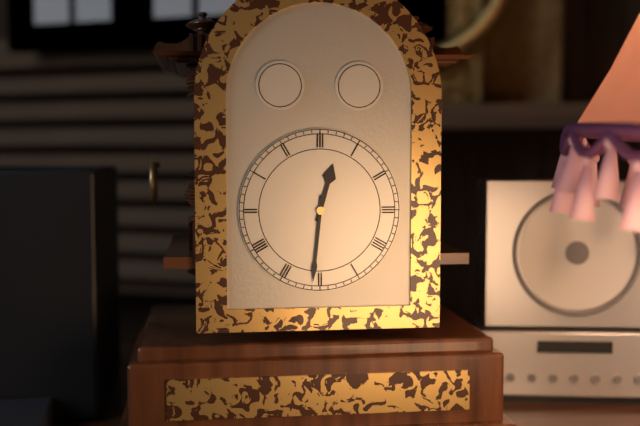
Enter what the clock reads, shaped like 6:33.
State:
12:31
